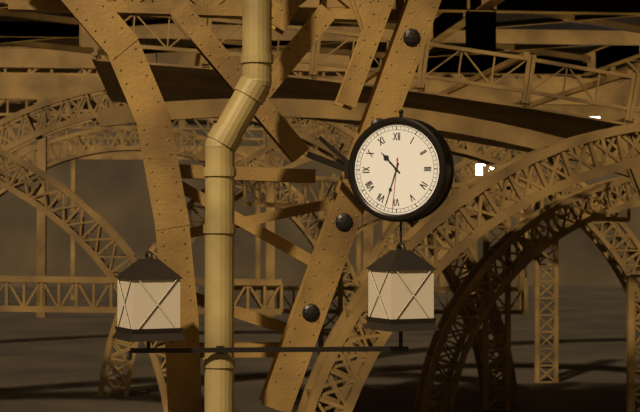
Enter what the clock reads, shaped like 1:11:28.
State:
10:33:31
